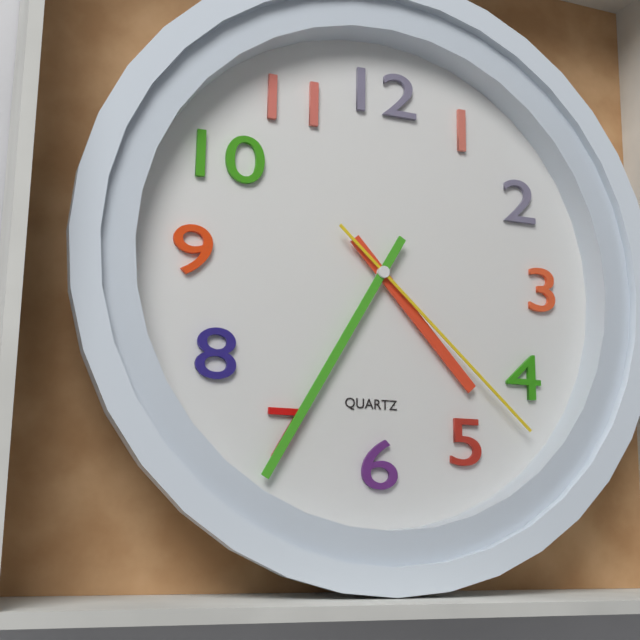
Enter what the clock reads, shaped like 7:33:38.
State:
4:35:22
